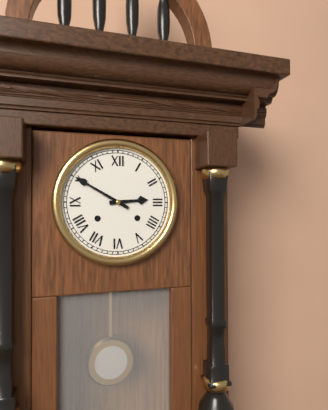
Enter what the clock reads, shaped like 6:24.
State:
2:50
